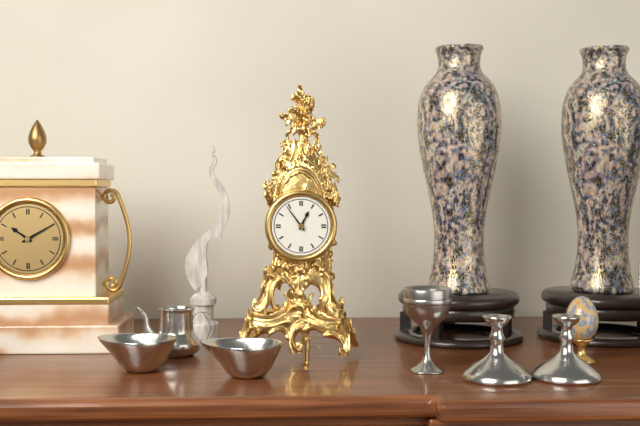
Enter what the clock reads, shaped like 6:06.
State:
12:54
